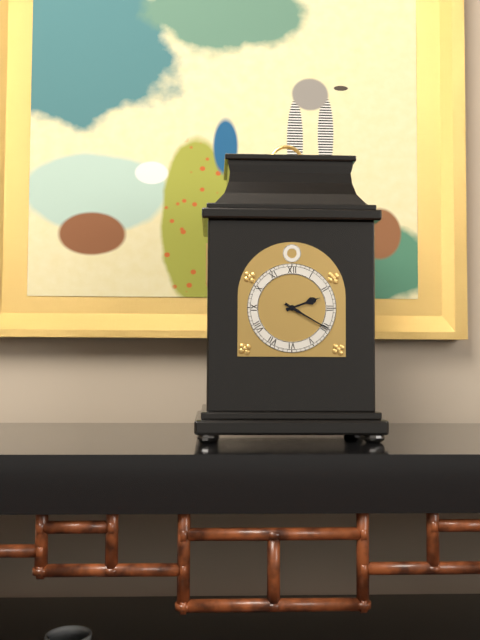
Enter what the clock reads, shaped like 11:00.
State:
2:20
